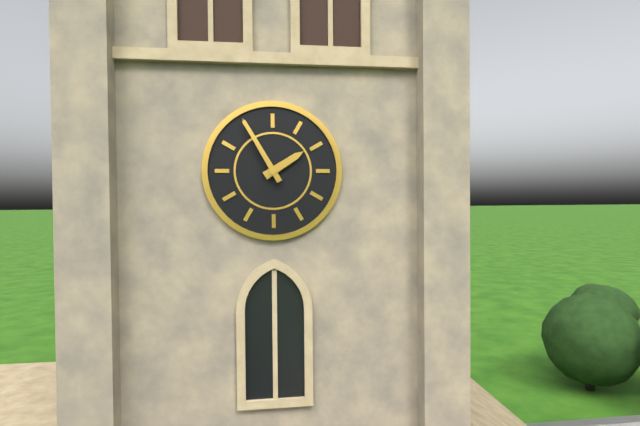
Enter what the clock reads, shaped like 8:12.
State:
1:55
